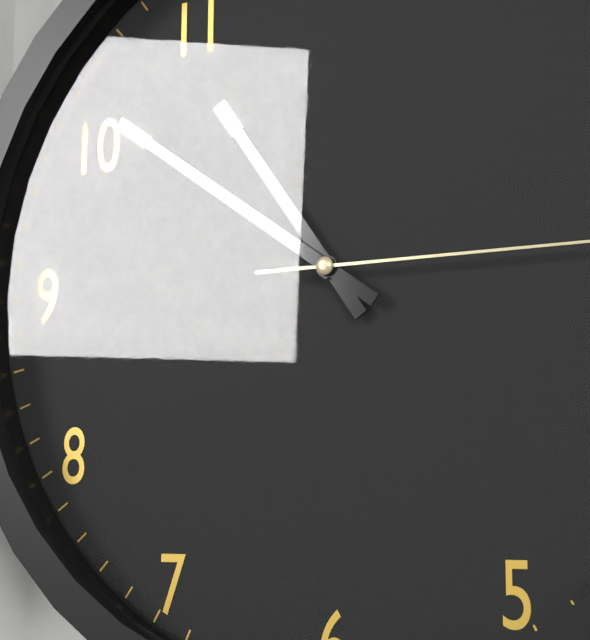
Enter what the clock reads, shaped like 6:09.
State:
10:51
